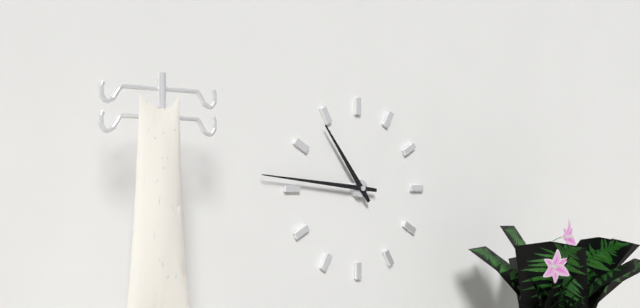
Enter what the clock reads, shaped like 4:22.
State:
10:46
